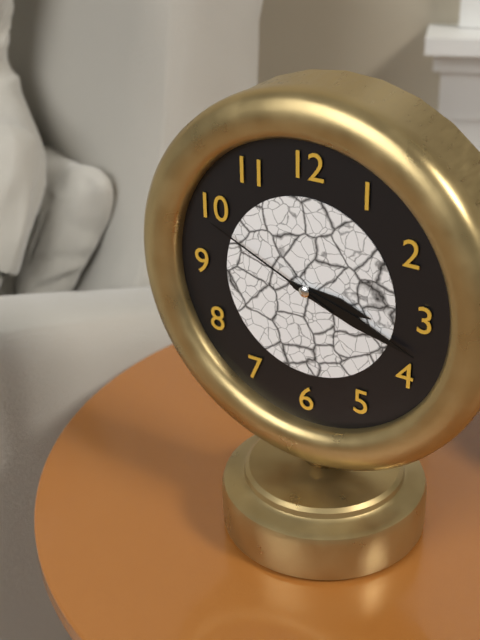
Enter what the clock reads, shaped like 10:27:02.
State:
3:18:49
